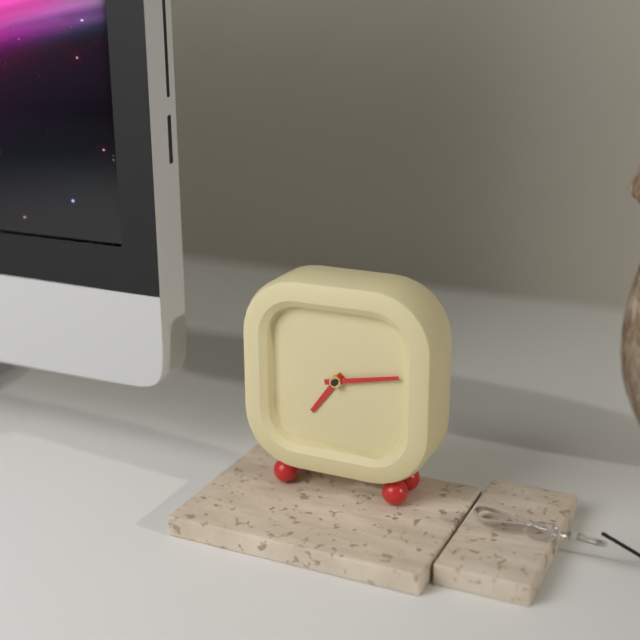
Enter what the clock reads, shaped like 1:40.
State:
7:13
